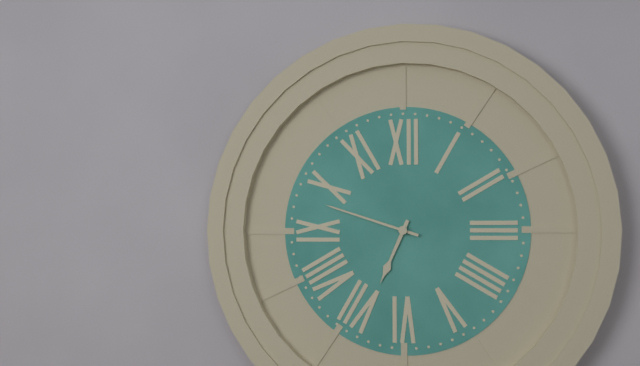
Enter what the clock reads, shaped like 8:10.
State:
6:48
